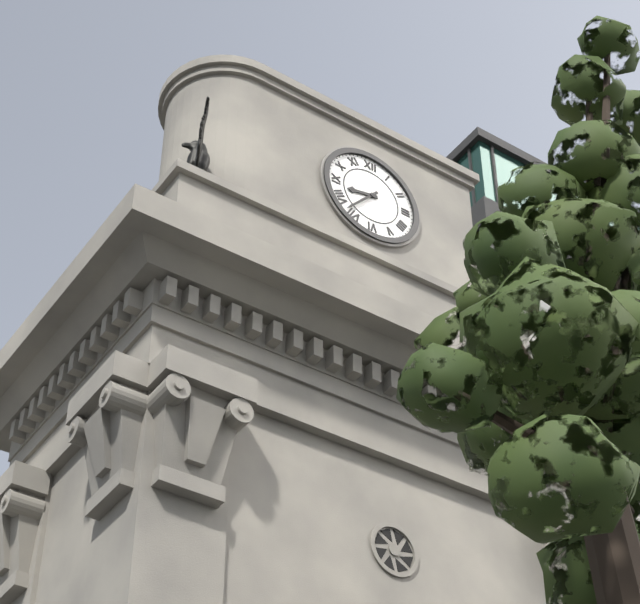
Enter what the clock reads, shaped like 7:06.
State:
8:37
